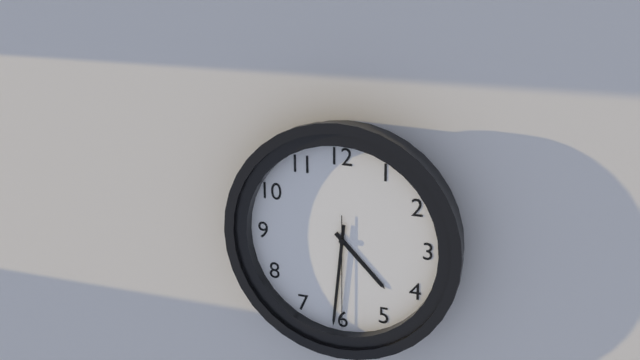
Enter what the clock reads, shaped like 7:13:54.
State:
4:31:30
